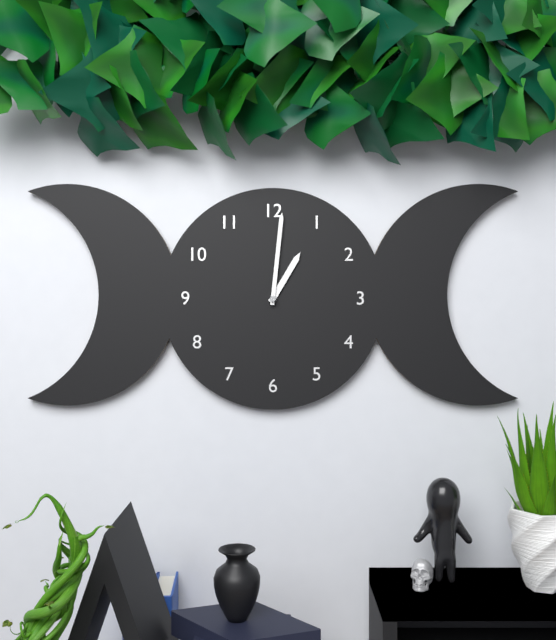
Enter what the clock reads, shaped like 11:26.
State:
1:01
